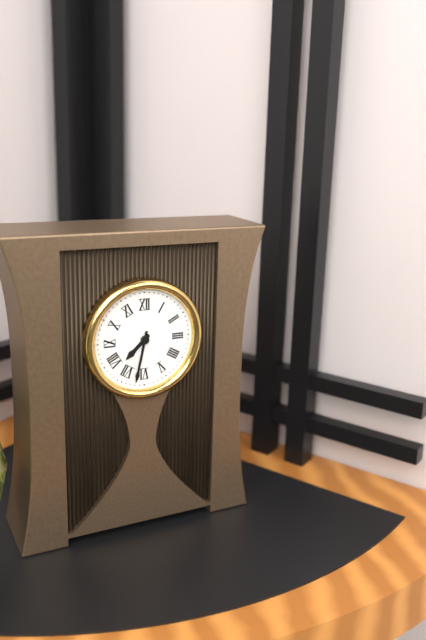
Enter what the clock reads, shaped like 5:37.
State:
7:32
